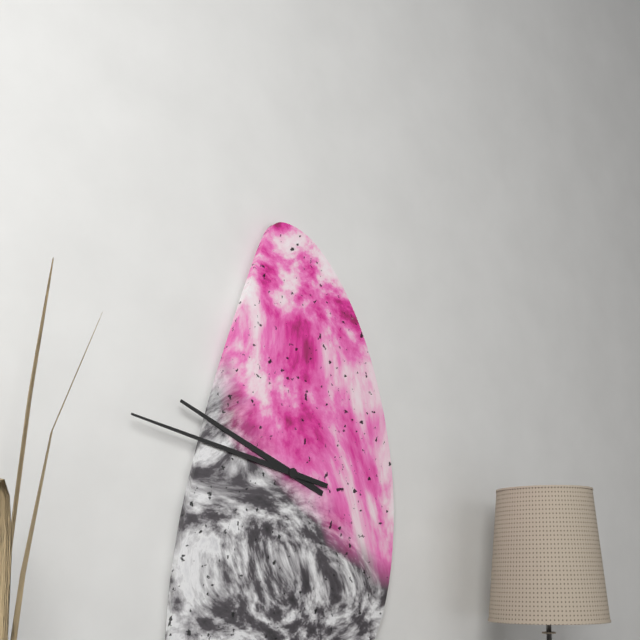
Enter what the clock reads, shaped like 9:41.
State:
9:47
